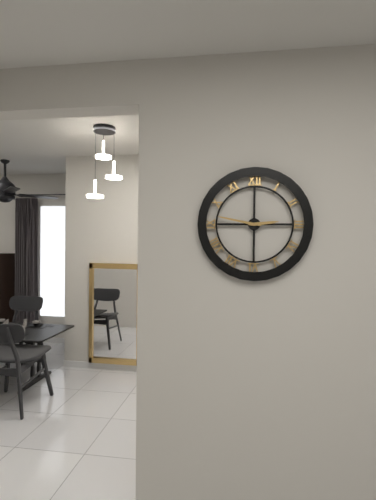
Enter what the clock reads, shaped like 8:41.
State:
2:47
